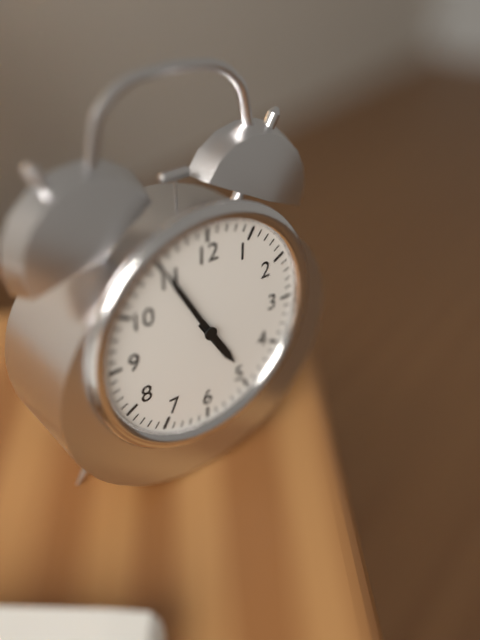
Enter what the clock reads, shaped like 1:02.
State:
4:55
